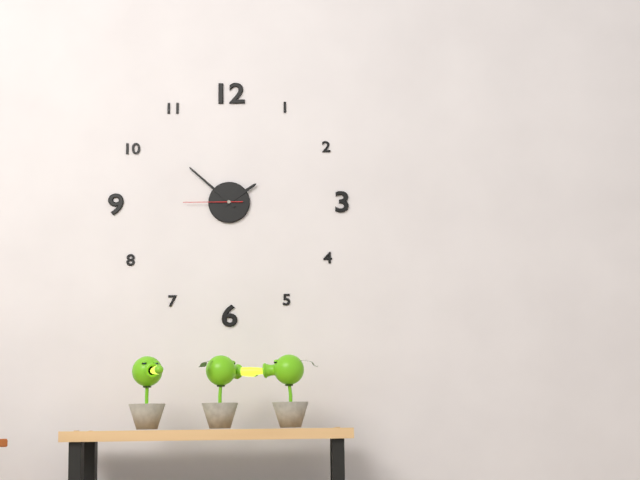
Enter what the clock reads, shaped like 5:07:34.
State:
1:52:45
